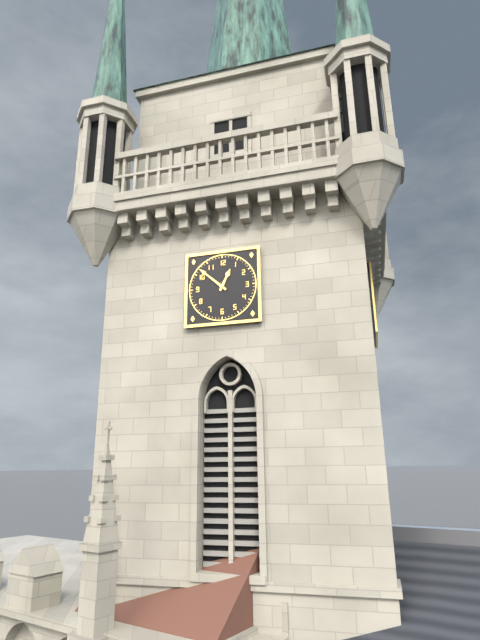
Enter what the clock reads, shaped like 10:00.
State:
12:52
